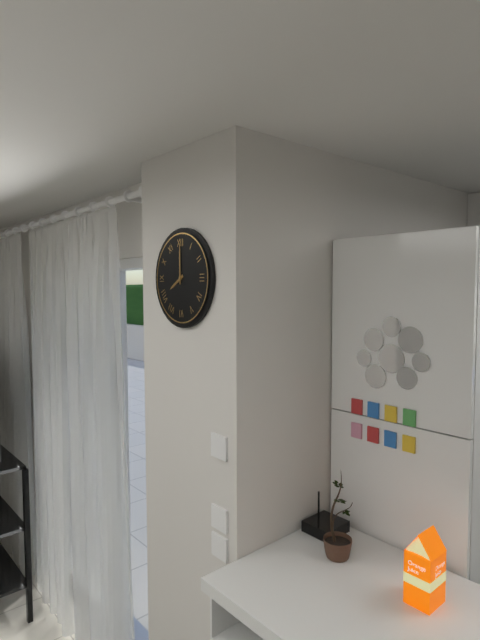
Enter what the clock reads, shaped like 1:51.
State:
8:00
